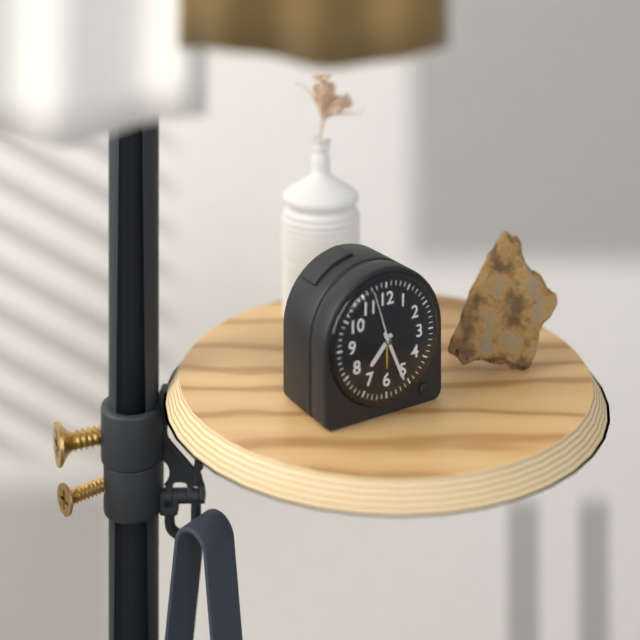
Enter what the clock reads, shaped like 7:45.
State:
7:26
